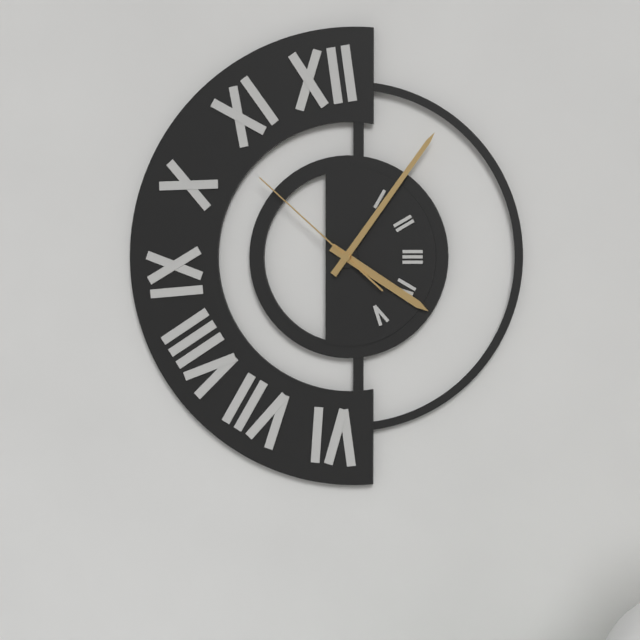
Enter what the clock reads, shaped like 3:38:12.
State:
4:06:52
